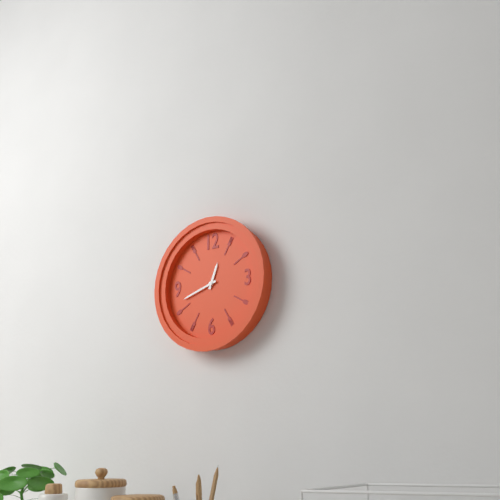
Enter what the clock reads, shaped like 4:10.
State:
12:42
